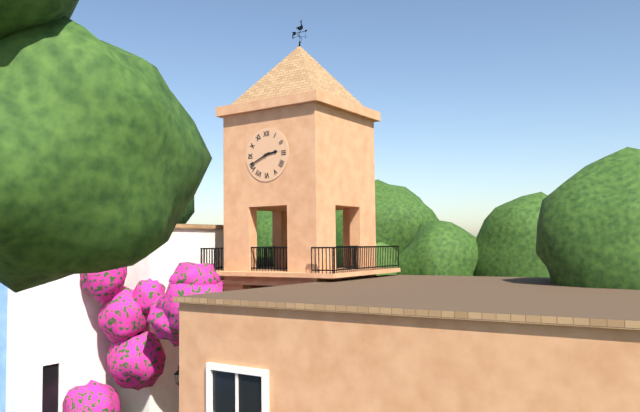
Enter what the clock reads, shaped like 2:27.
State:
2:41
